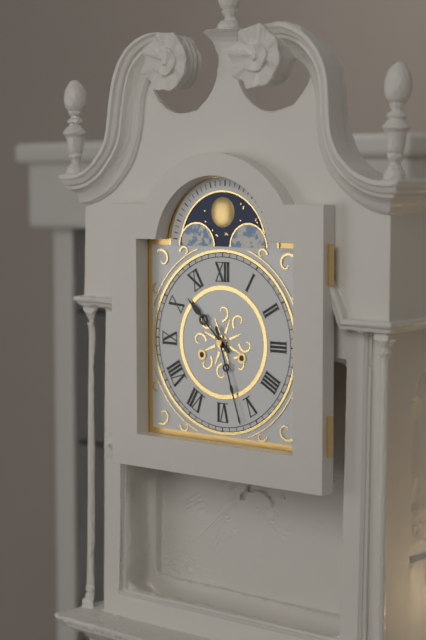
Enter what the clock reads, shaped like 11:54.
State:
10:27
